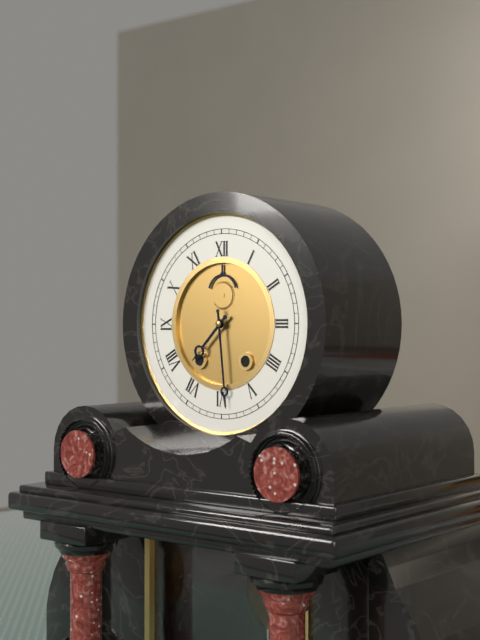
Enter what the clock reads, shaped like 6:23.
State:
7:29
